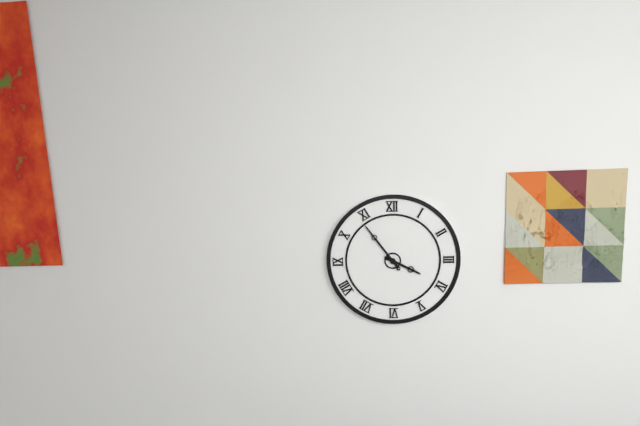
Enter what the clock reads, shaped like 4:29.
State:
3:54
